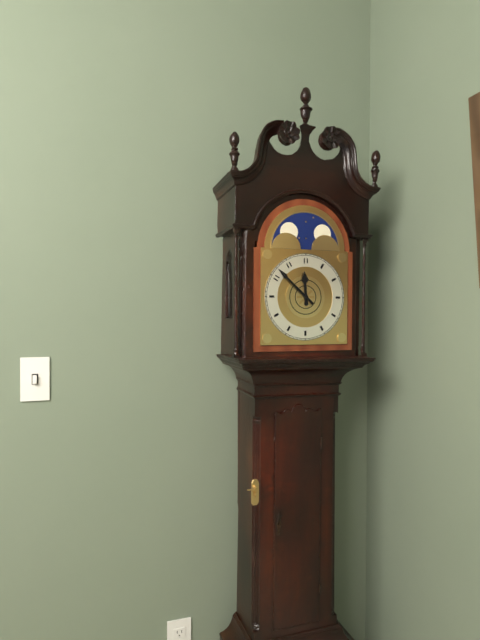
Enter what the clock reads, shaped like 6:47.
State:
11:52
